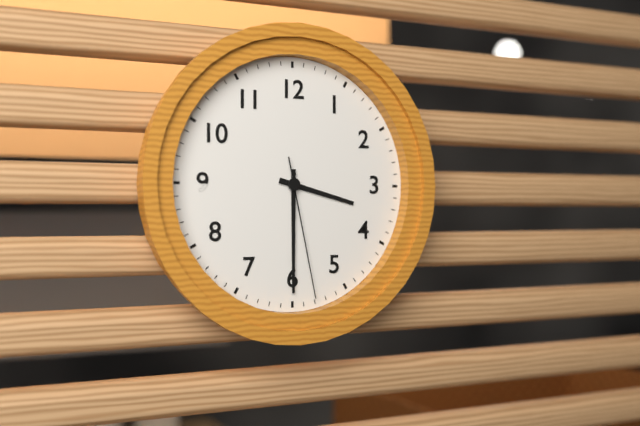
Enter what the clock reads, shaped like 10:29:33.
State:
3:30:28
